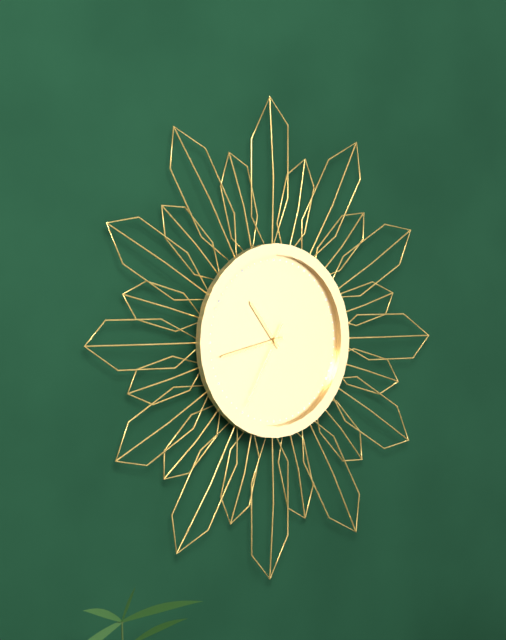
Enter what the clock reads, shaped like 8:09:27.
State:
10:43:35
